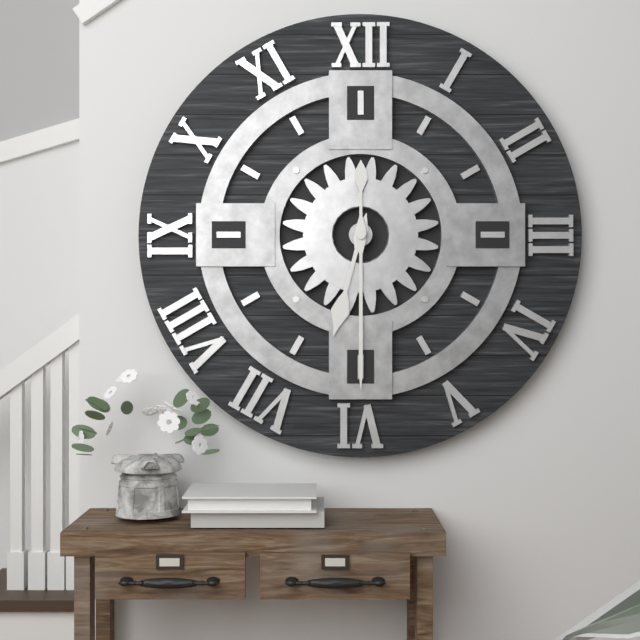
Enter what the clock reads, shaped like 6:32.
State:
6:30
